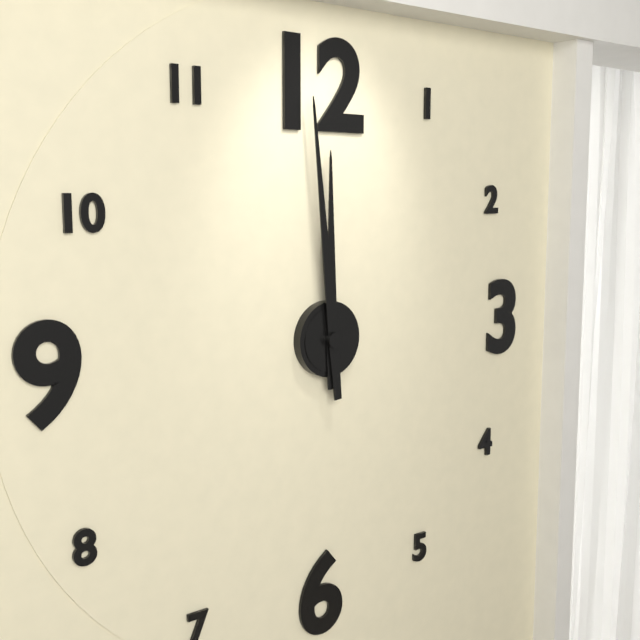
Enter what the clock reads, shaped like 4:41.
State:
11:59
